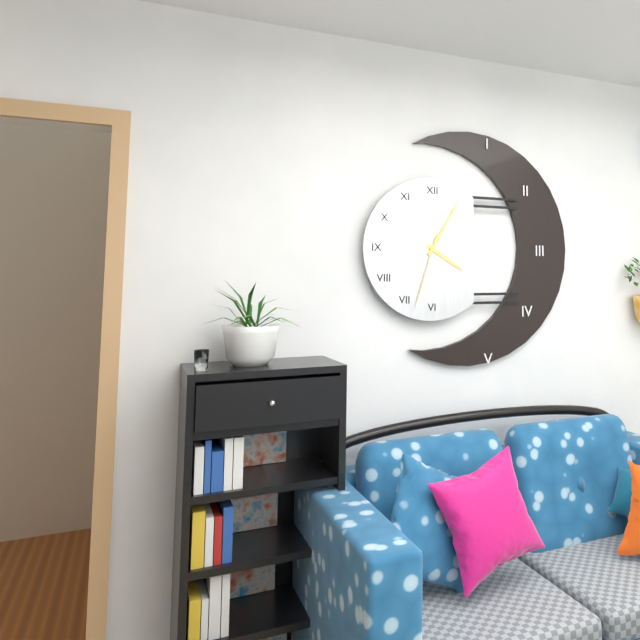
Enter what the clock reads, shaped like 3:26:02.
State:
4:05:33
